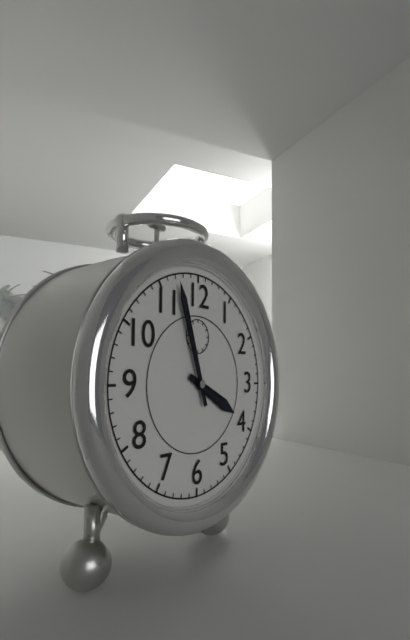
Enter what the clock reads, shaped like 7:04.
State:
3:57
